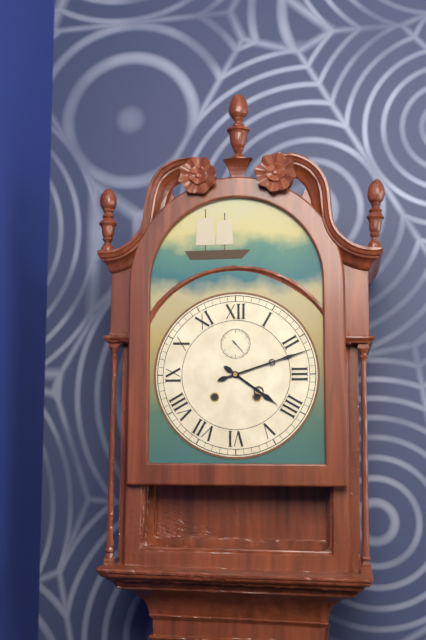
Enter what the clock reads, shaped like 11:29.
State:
4:12
